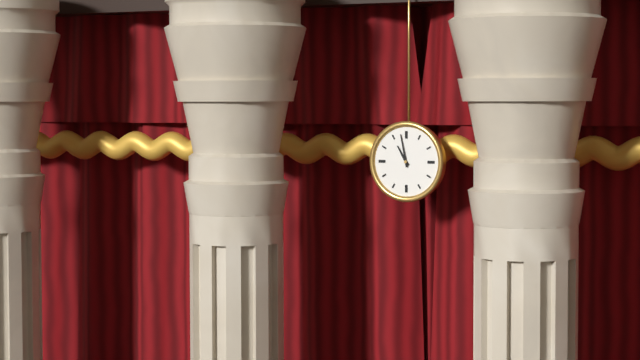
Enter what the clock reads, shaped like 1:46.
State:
10:58
